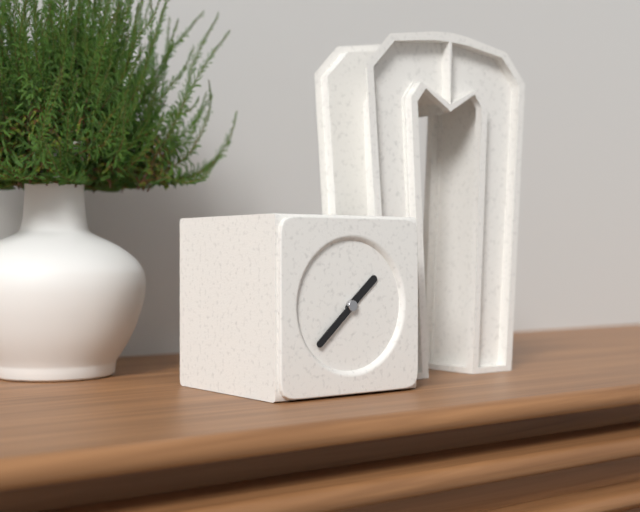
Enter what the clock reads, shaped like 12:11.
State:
1:38
